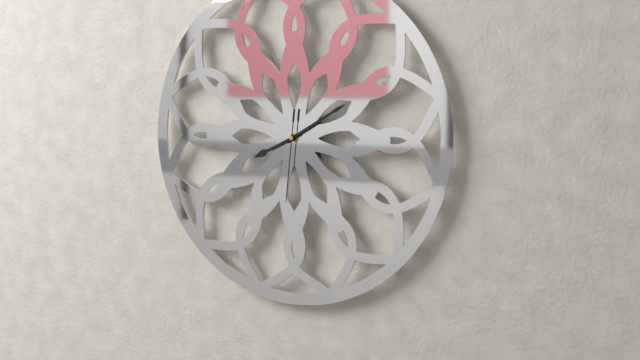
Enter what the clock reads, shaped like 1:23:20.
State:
8:10:31
